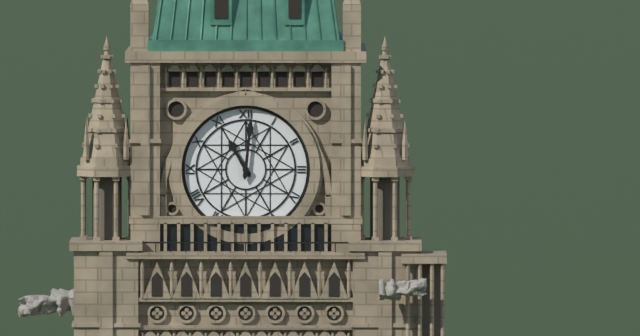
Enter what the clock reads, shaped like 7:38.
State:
11:01
